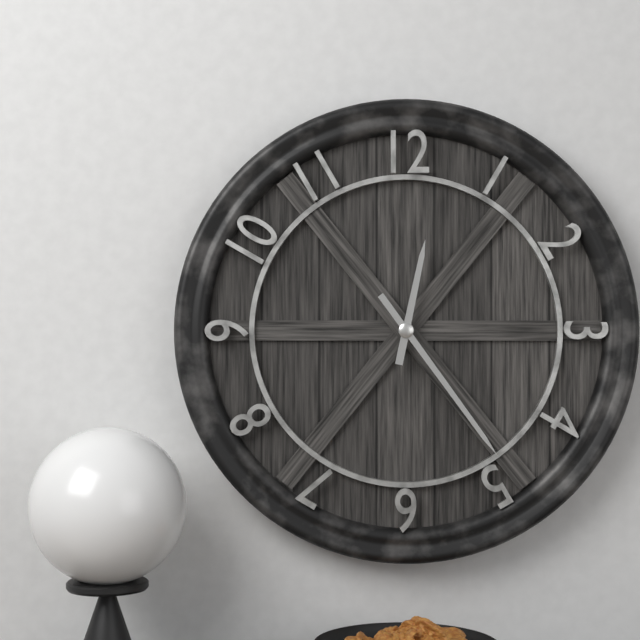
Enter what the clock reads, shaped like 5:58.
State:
12:24
